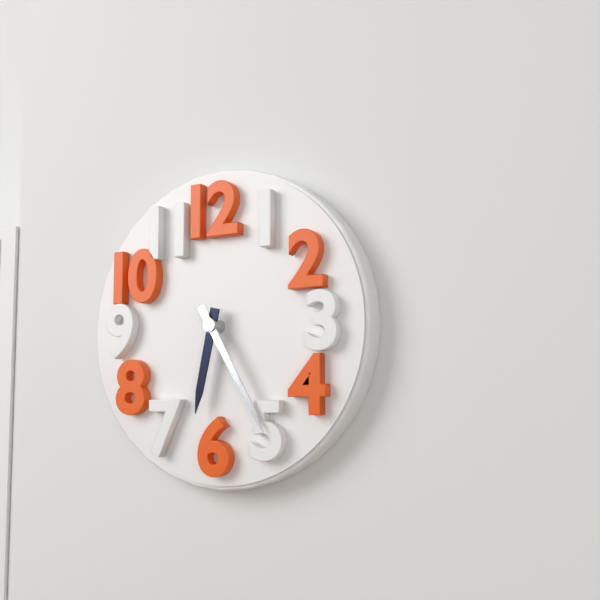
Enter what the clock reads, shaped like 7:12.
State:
6:25
